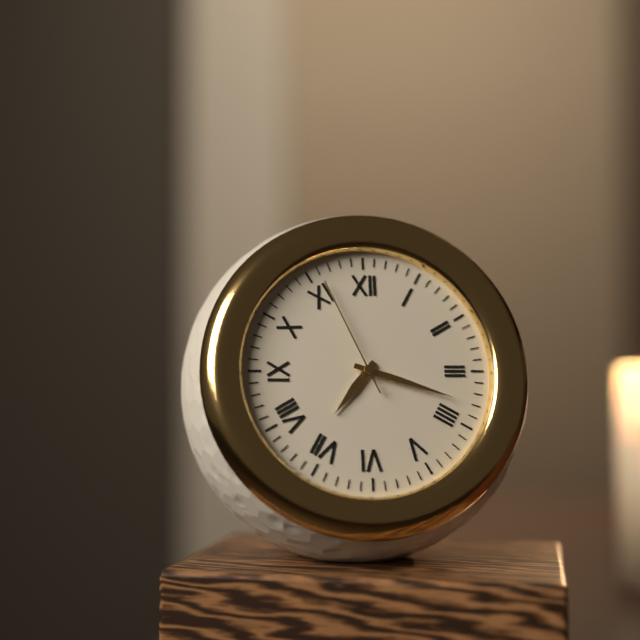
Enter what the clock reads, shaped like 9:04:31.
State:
7:18:56
